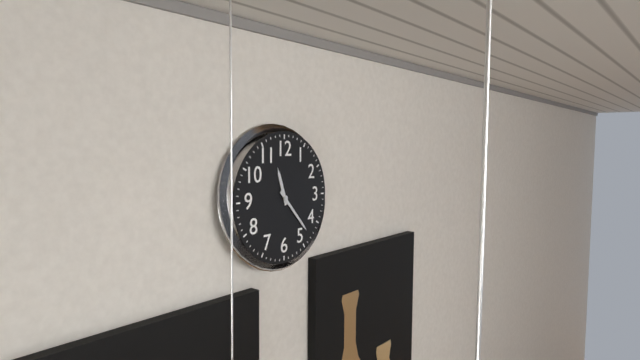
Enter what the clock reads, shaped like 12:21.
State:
11:23
